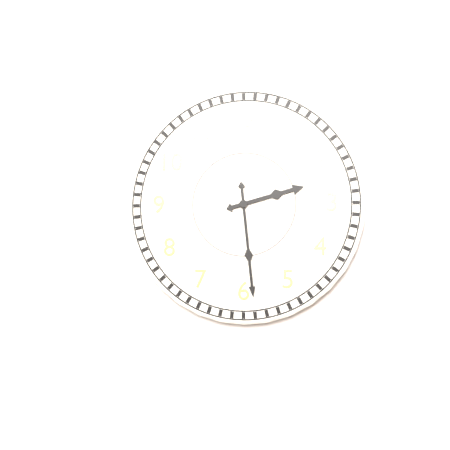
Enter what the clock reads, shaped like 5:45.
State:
2:29
